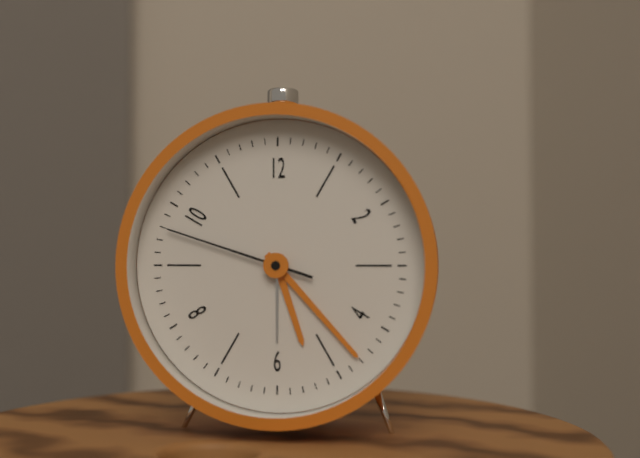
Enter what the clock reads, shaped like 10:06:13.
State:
5:23:48
